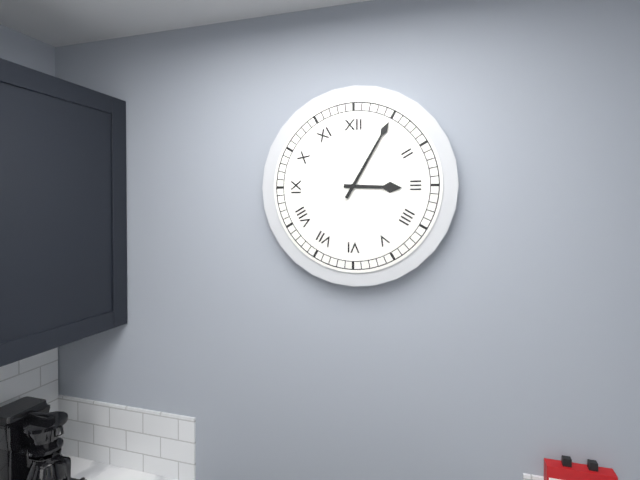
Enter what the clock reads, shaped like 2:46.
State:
3:05
